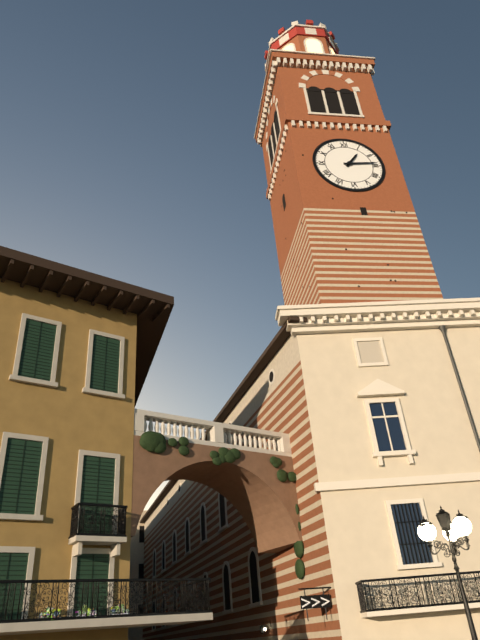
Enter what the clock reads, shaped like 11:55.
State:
1:14
